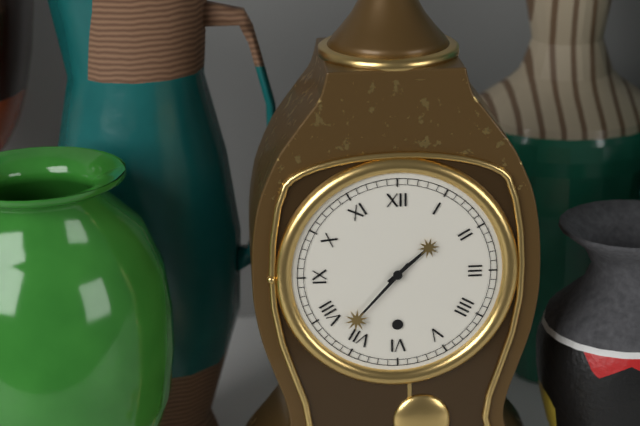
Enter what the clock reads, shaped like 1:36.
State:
1:37
